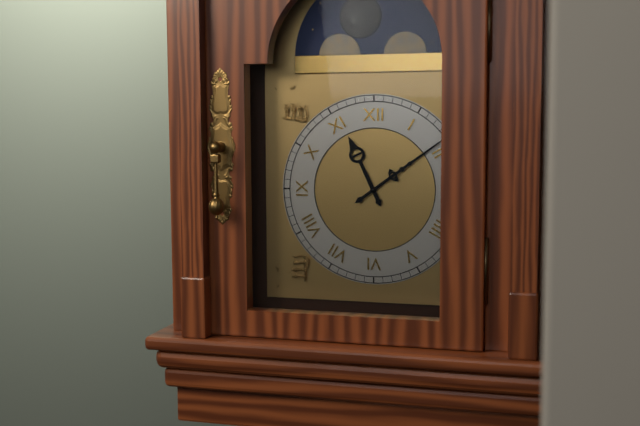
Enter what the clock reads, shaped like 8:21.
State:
11:09
